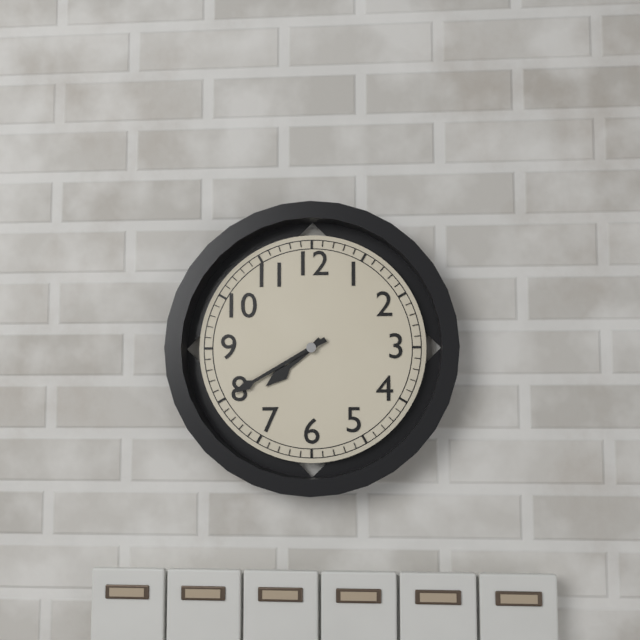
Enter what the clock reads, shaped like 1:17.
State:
7:40
